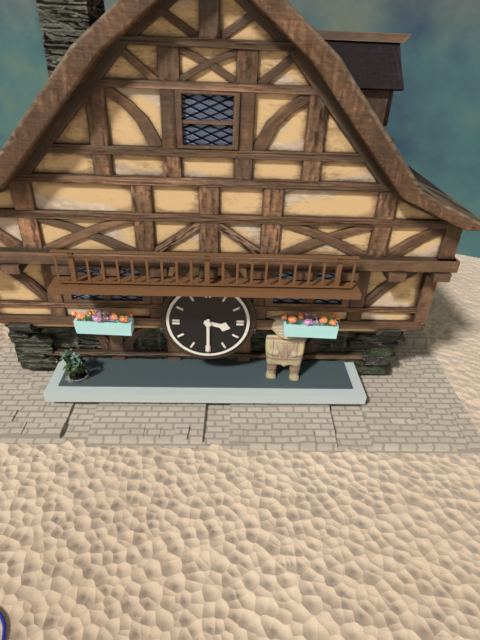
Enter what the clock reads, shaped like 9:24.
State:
3:30
